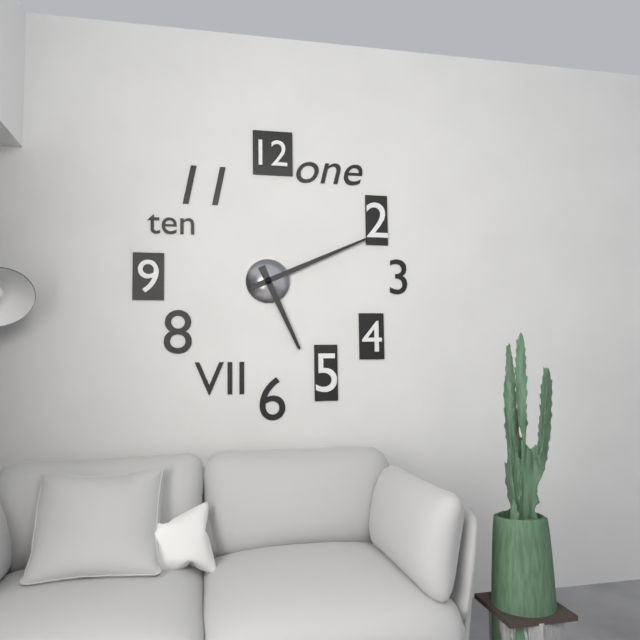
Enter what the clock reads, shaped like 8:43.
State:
5:11
